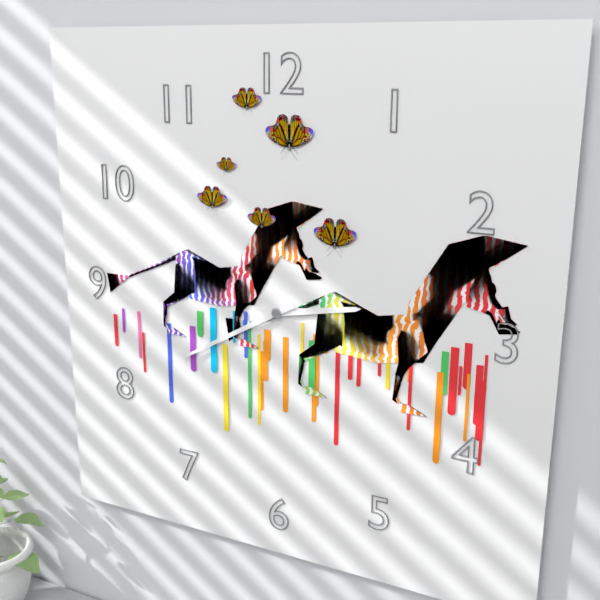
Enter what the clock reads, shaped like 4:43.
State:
2:40
